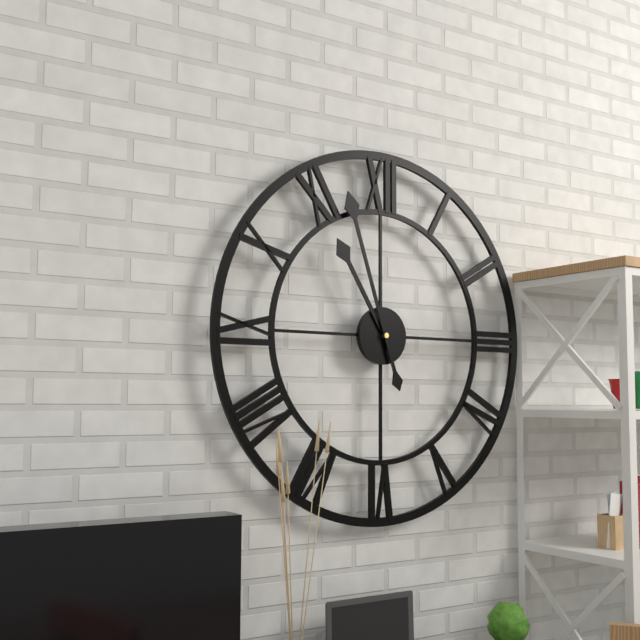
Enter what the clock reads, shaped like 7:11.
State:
10:57
